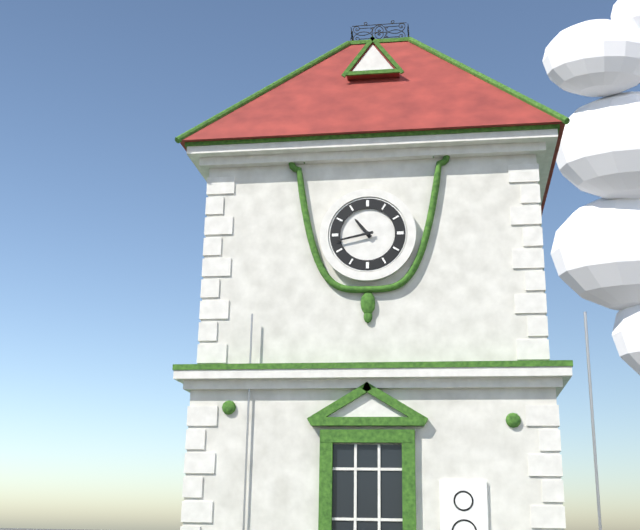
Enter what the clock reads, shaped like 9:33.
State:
10:43
